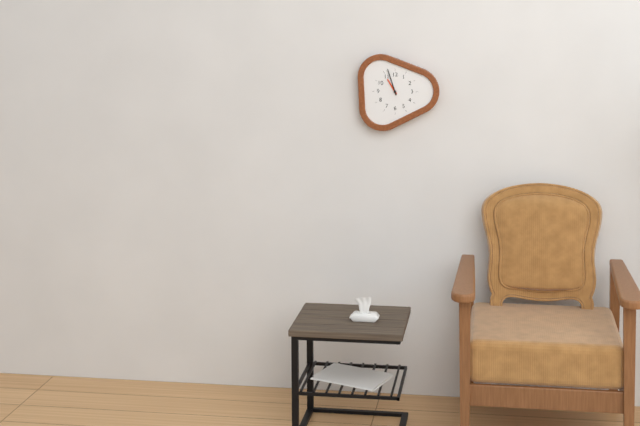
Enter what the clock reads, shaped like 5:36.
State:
10:57
